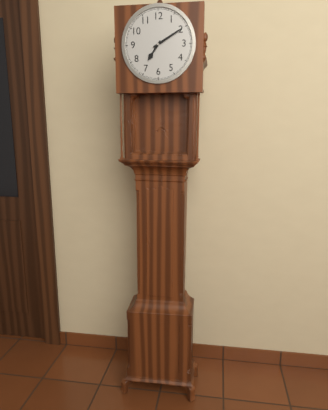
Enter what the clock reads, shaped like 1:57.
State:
7:10
